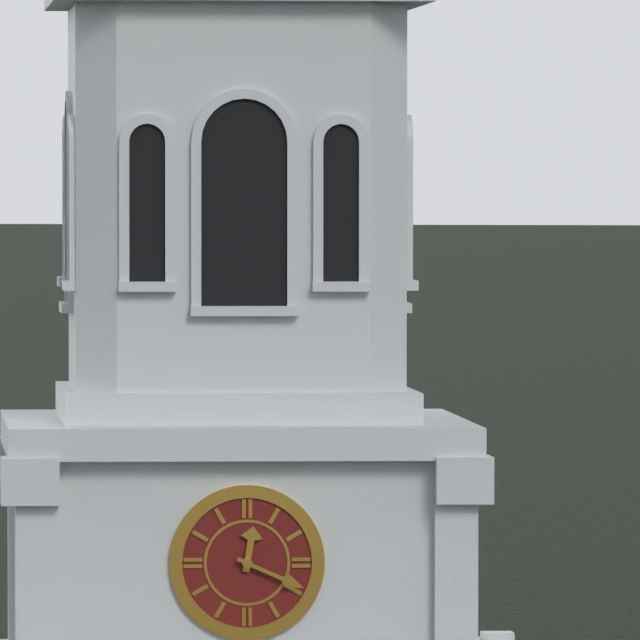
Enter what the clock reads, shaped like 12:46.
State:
12:19
